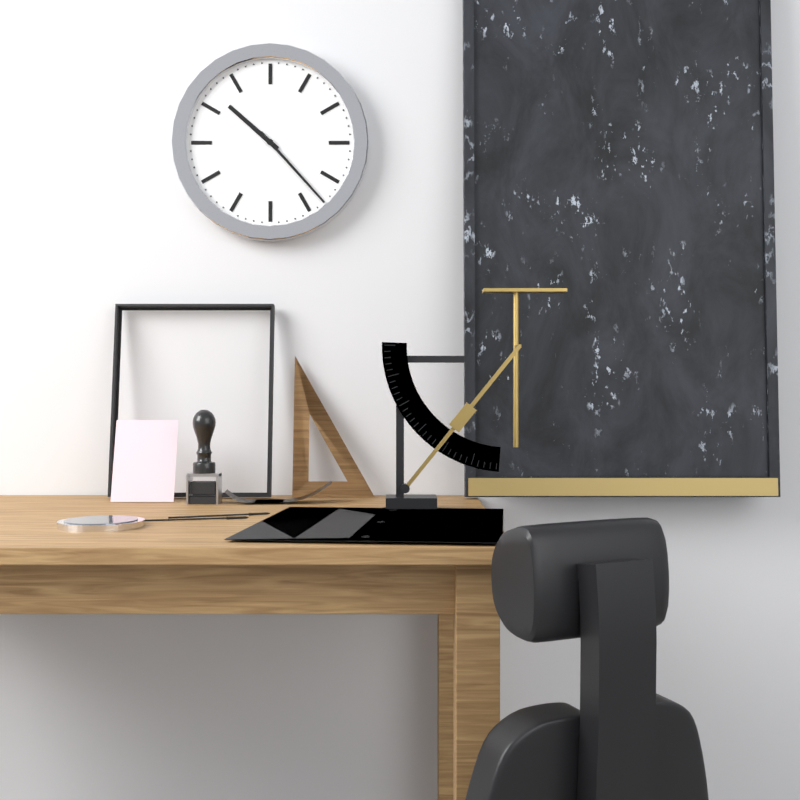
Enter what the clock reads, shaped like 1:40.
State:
10:23
